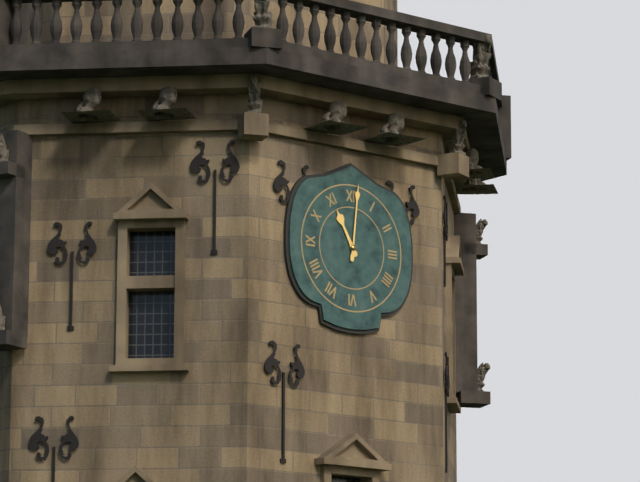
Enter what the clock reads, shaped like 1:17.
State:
11:01
